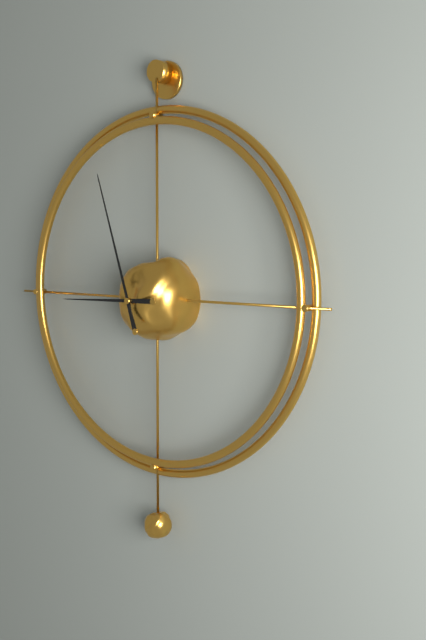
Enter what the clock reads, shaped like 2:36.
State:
8:57
